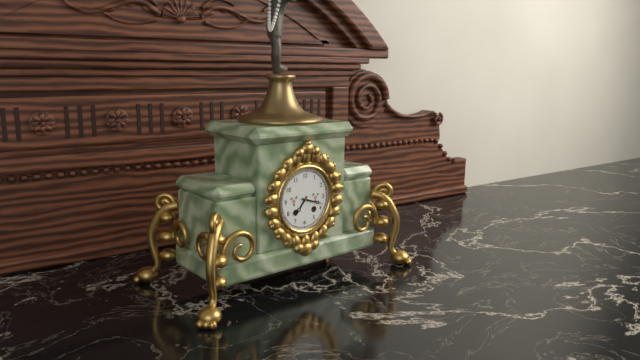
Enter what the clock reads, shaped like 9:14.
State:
7:18
